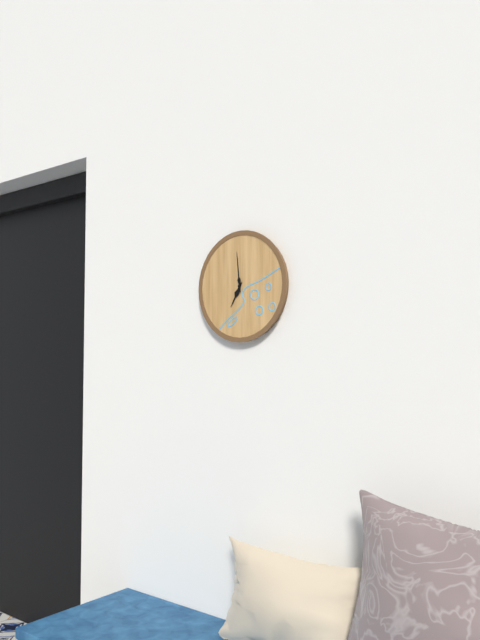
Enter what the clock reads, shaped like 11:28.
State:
6:59
